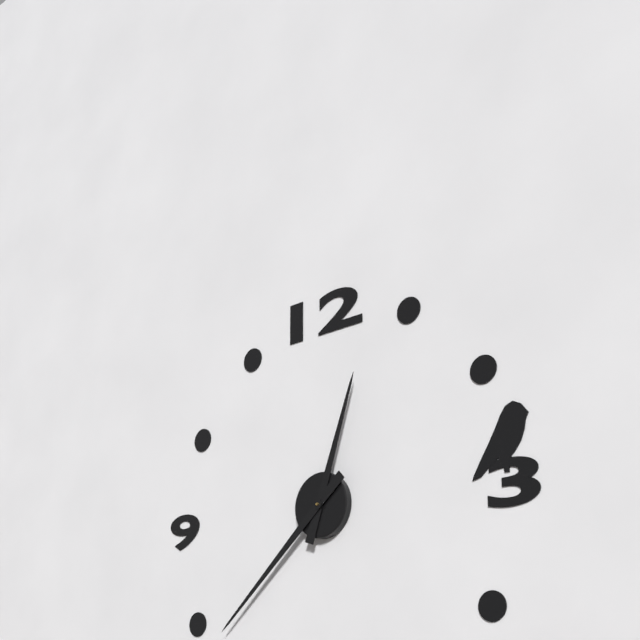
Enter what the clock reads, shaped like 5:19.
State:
12:38
